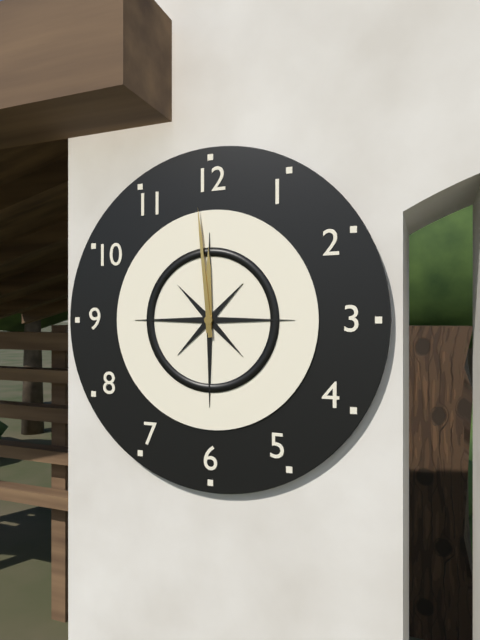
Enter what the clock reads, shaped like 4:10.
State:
11:59
